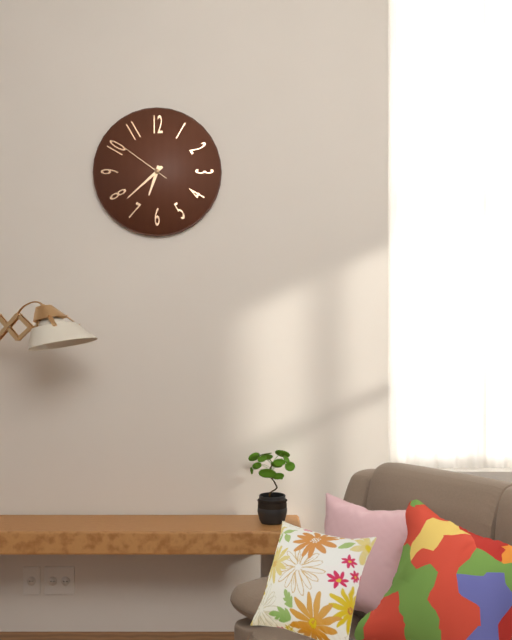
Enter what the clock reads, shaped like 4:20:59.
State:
6:38:51
